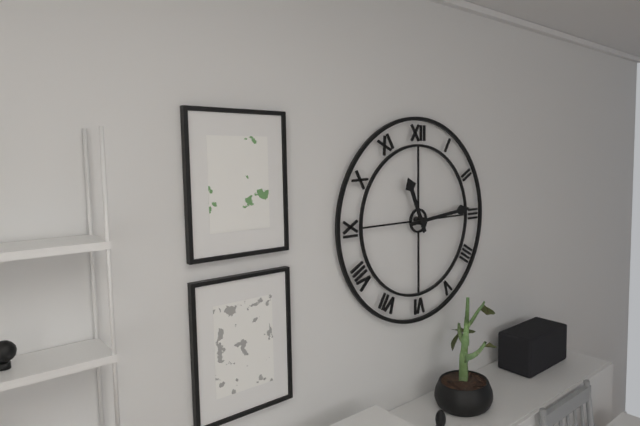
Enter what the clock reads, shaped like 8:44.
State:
11:14
